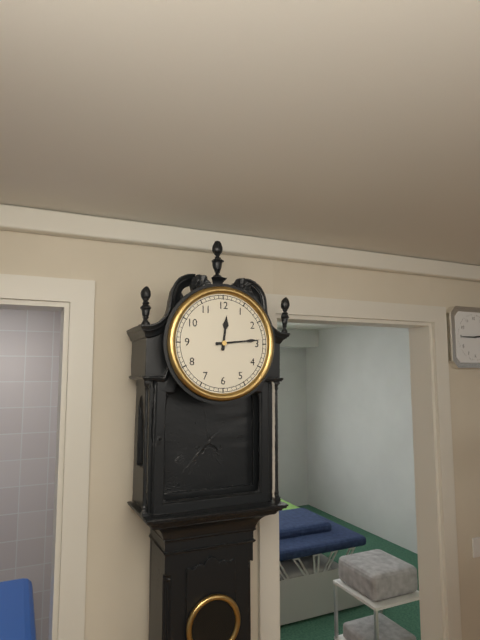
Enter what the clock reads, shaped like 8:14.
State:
12:14
